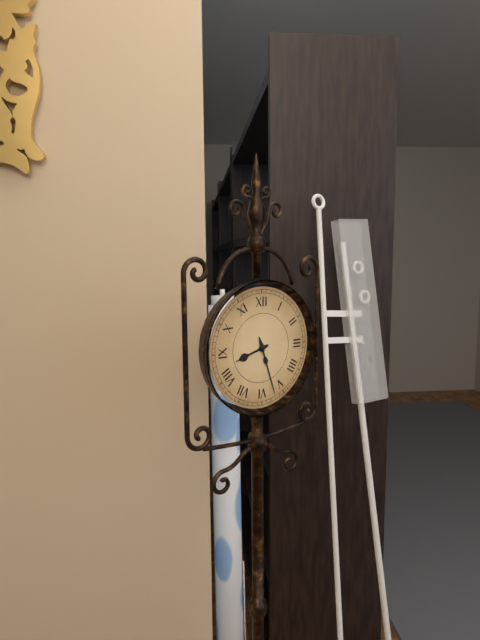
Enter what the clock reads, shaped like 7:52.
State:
8:27
